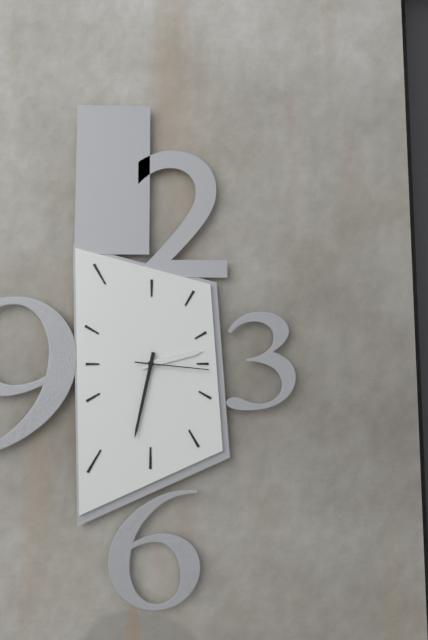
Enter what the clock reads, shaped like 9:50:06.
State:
2:32:16
